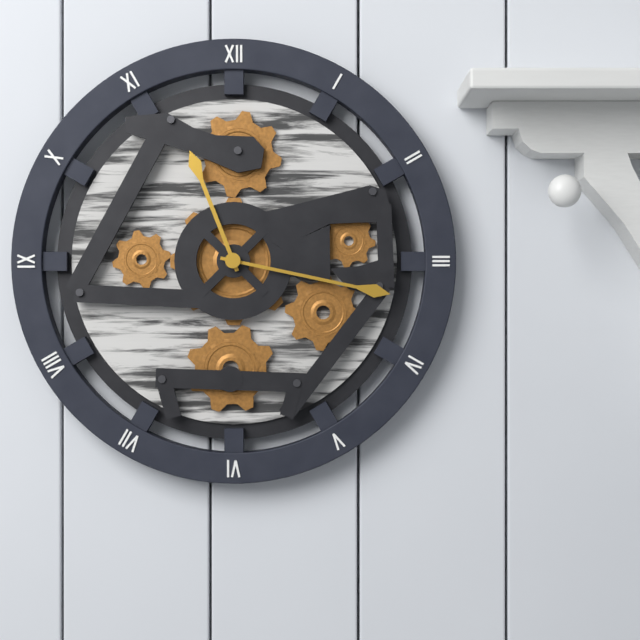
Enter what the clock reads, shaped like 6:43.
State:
11:17
